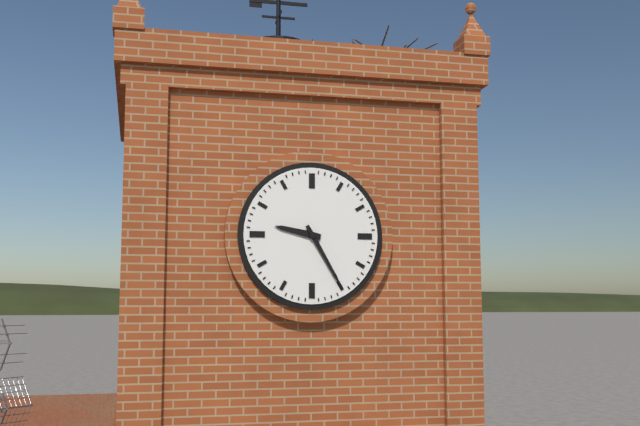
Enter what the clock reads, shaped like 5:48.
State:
9:25
